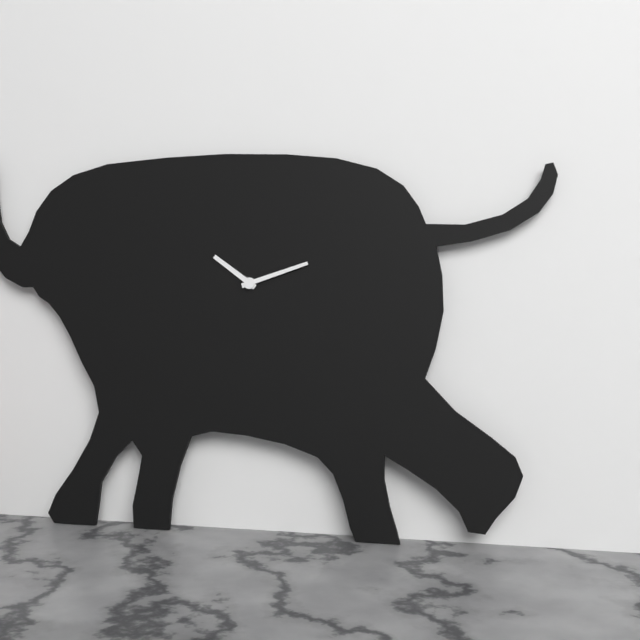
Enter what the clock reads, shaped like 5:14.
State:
10:12
